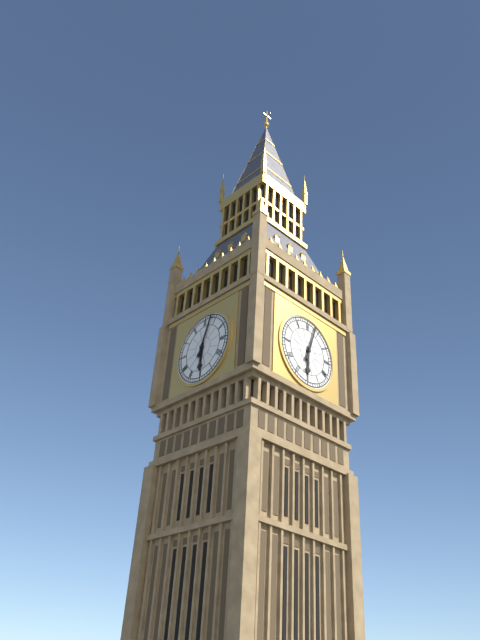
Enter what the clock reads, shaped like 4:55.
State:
6:03
